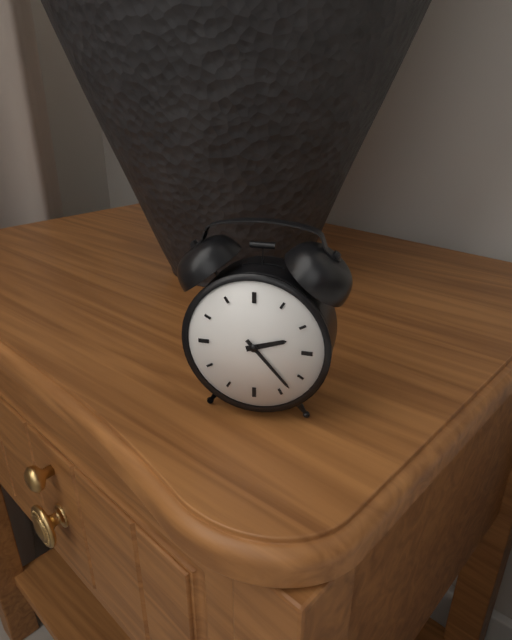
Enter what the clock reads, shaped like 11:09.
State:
2:23
